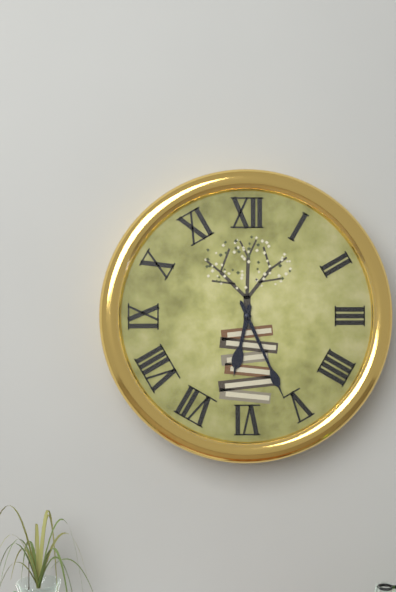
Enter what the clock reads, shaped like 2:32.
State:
6:26
